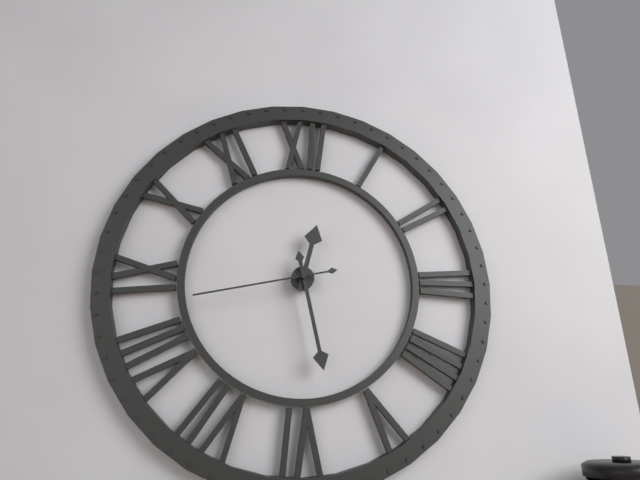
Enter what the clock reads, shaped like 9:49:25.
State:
12:28:43
